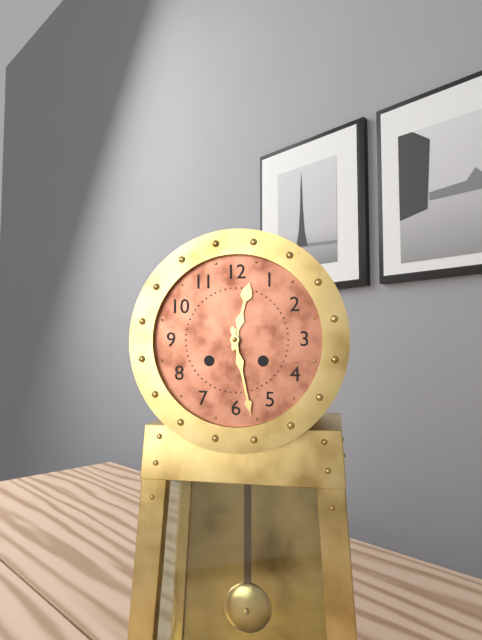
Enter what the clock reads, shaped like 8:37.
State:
12:28
